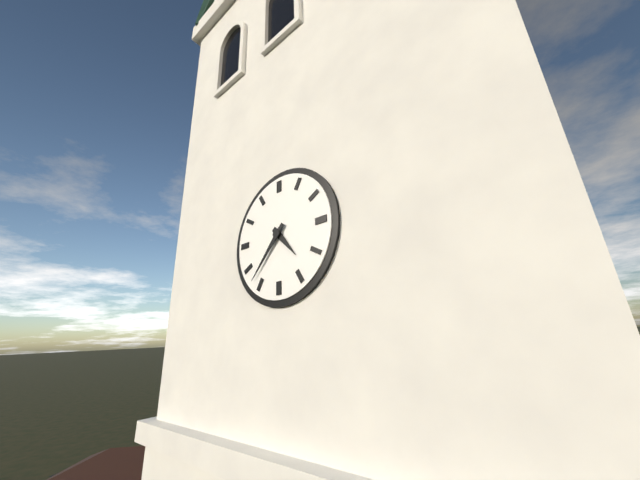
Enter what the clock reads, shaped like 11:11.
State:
4:37
